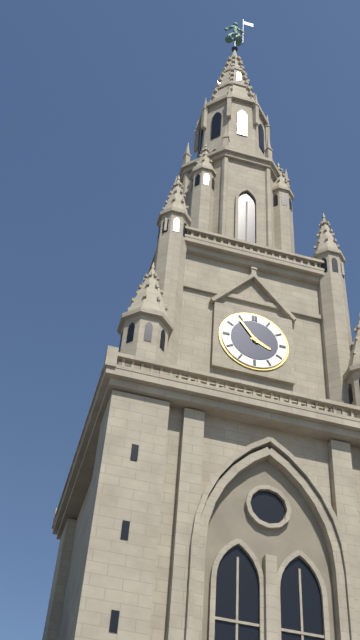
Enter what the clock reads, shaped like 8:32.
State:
3:54
